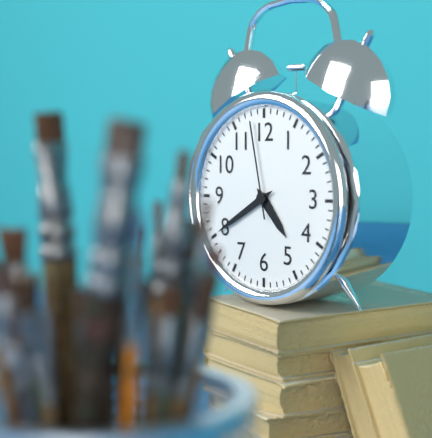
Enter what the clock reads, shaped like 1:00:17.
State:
4:40:58
